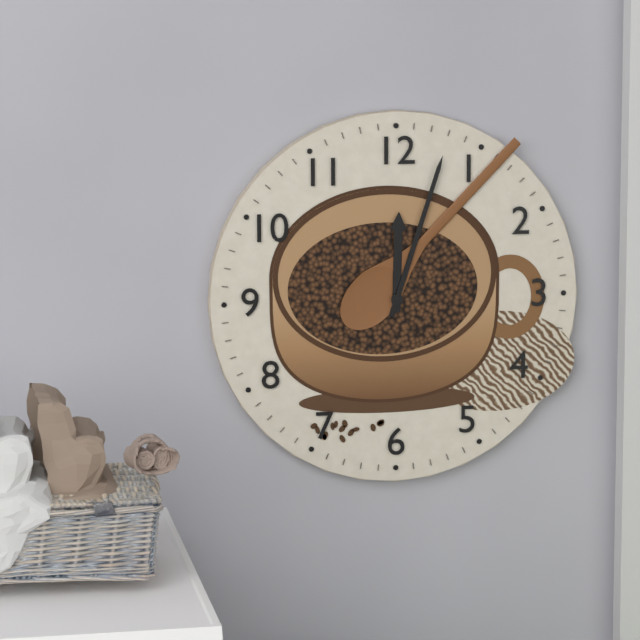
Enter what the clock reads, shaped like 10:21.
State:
12:03
